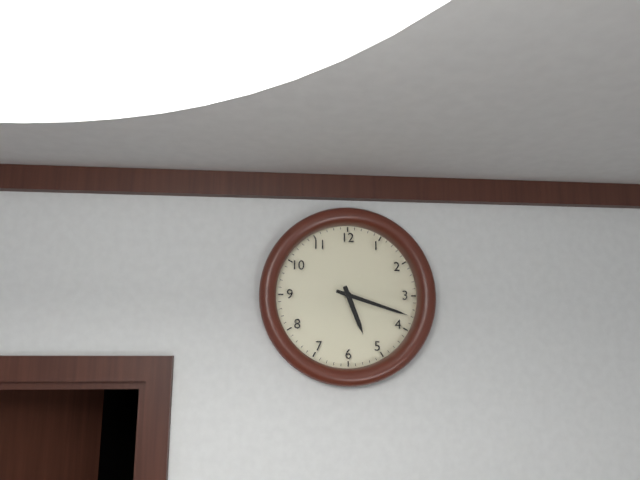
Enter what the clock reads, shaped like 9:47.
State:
5:18
